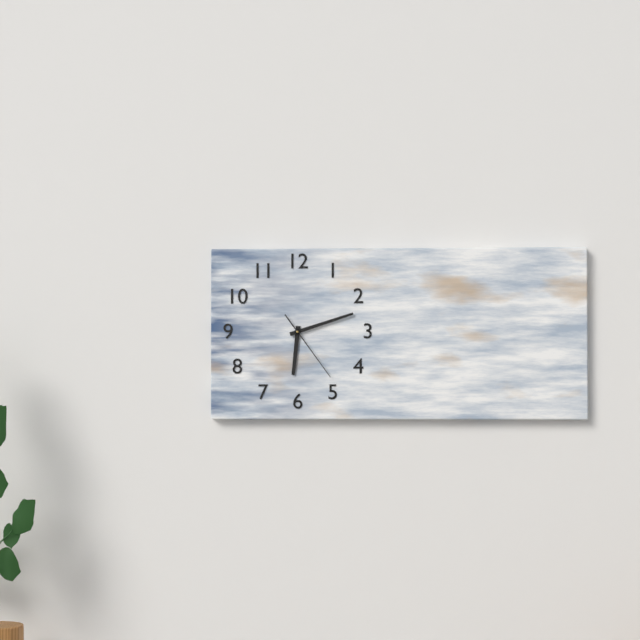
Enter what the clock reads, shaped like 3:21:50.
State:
6:12:24
